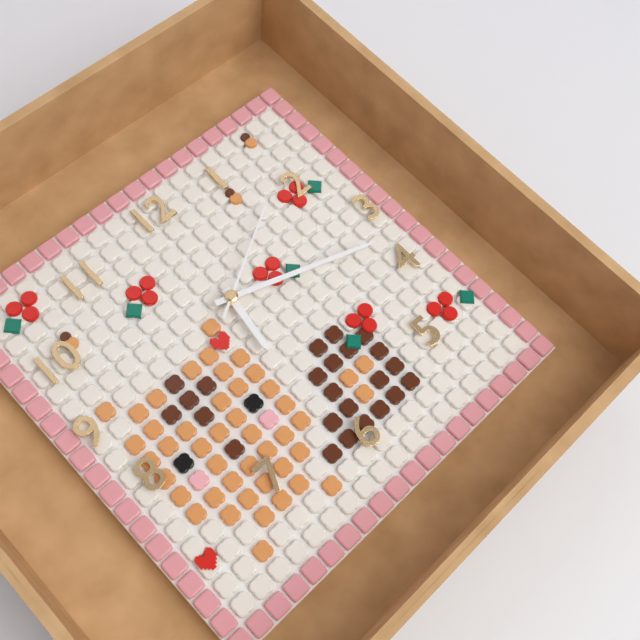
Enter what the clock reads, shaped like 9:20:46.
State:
6:18:10
